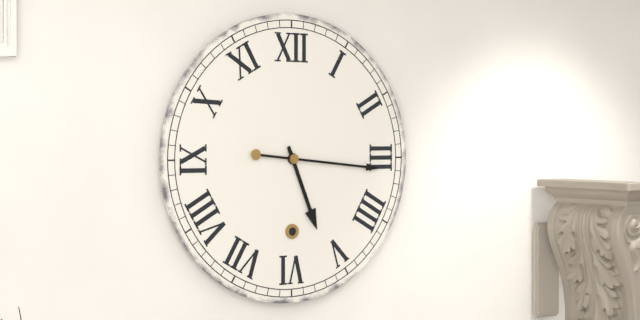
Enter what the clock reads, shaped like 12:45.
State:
5:16
